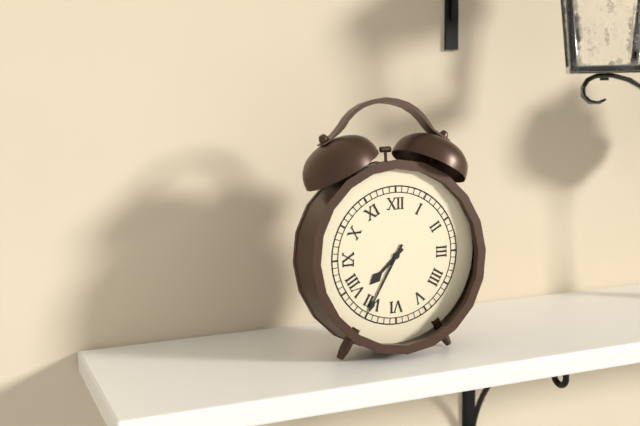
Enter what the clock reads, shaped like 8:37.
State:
7:35
